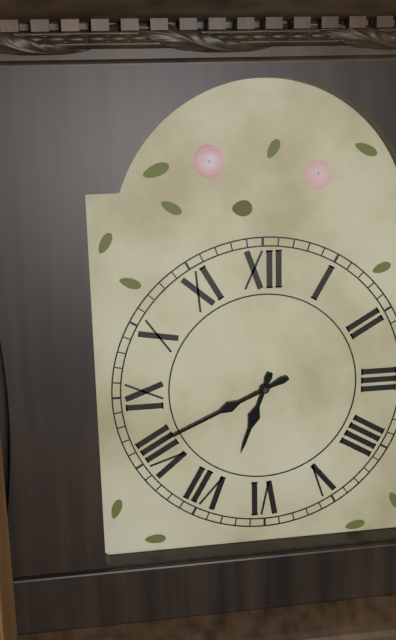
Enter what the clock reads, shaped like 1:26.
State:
6:41
